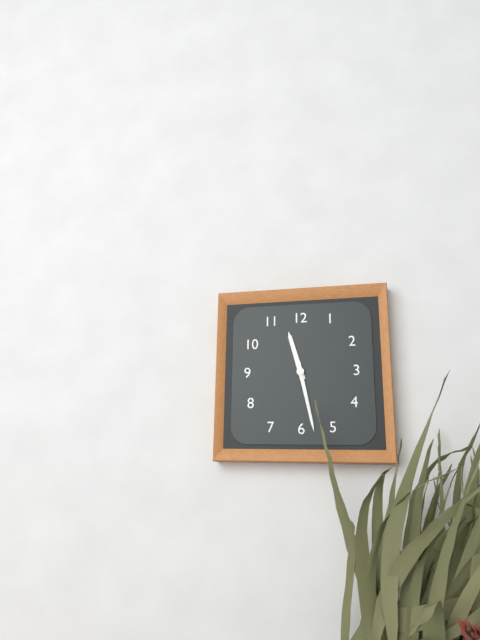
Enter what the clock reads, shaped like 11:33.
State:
11:28
